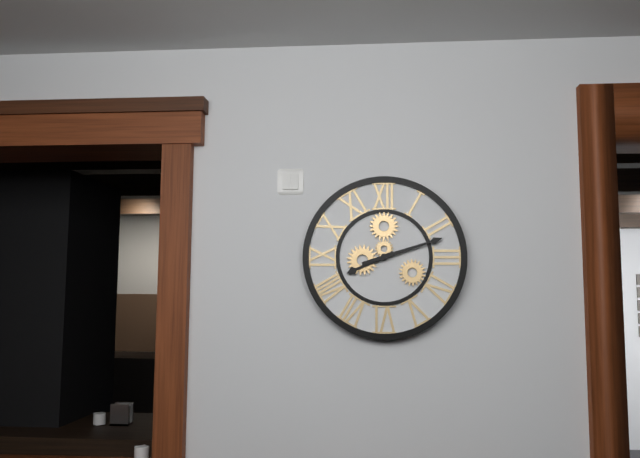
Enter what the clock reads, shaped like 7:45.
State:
8:12
